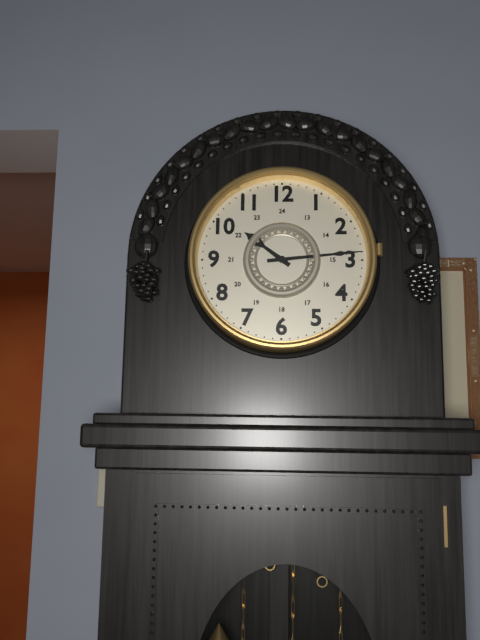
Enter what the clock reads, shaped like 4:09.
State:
10:14
